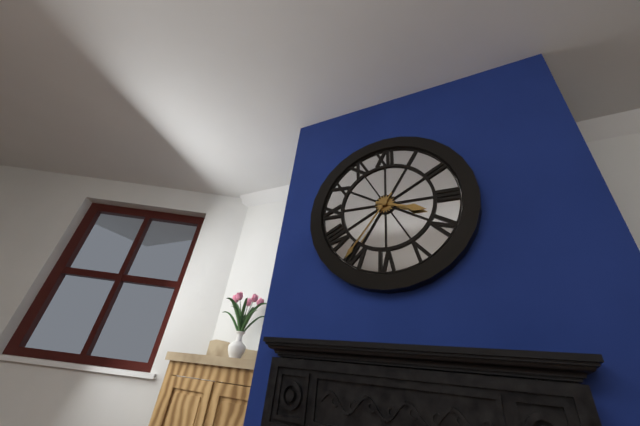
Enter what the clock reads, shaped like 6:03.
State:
3:36
